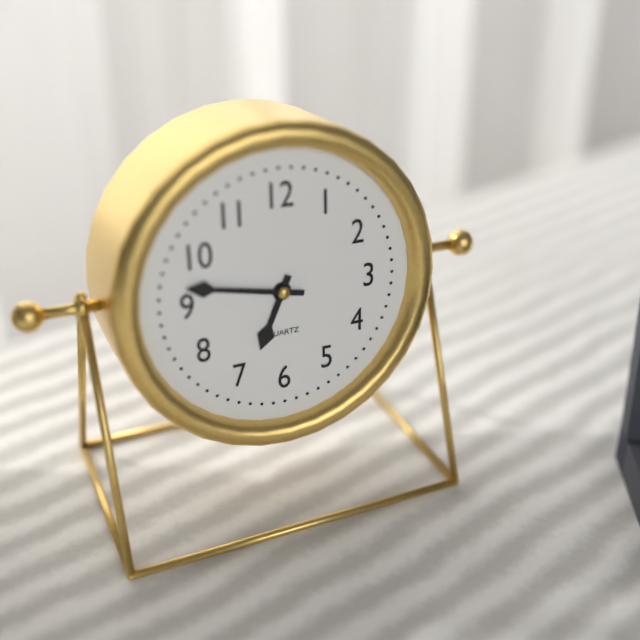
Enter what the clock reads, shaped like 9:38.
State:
6:47
